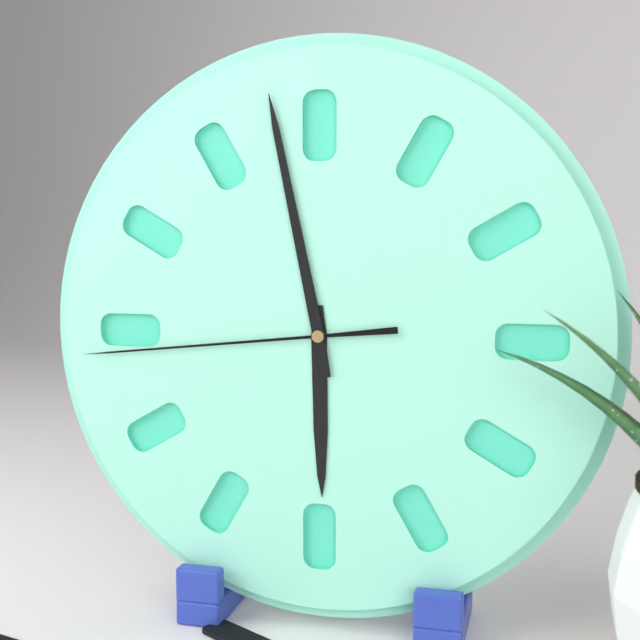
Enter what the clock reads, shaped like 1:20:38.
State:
5:58:44
